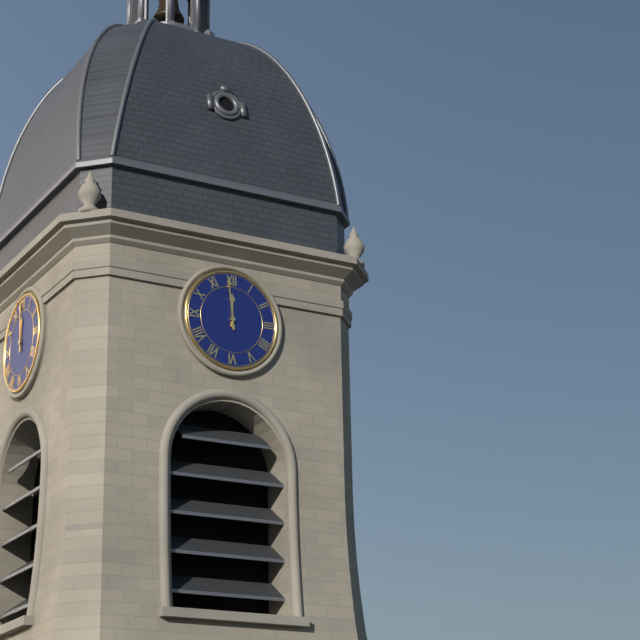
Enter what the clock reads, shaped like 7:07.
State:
11:59
